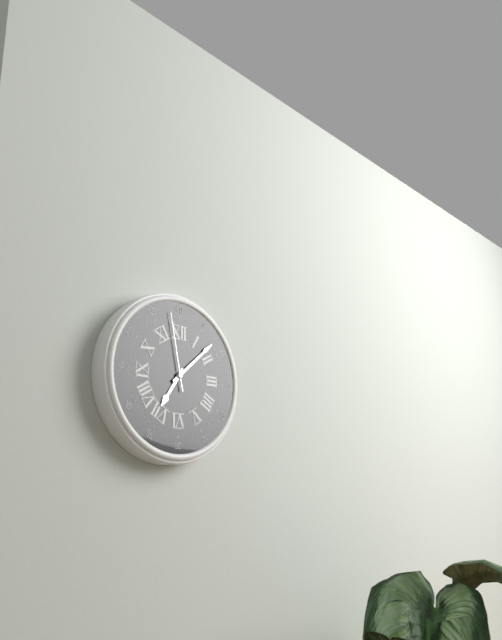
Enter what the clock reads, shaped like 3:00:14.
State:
7:08:58
